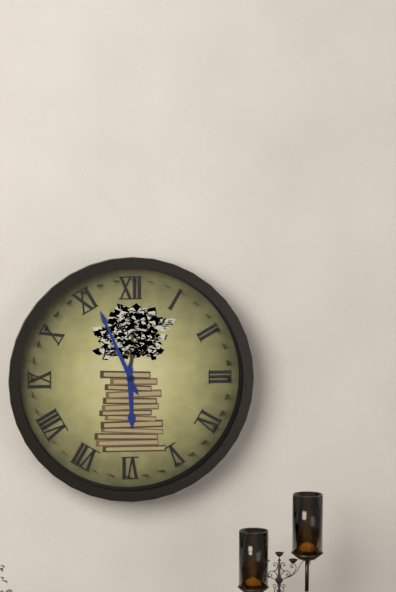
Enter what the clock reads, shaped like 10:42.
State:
5:56
